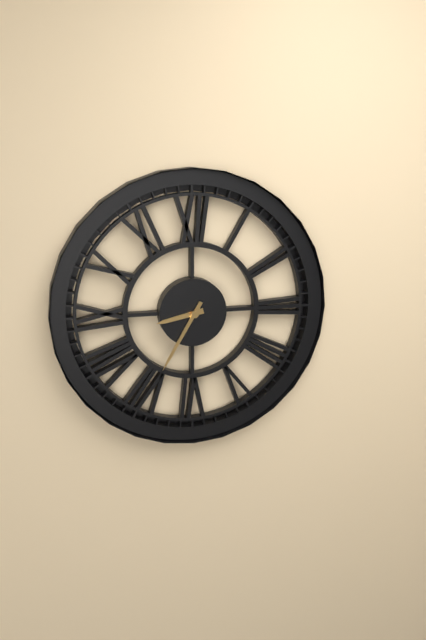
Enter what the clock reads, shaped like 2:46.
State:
8:35
